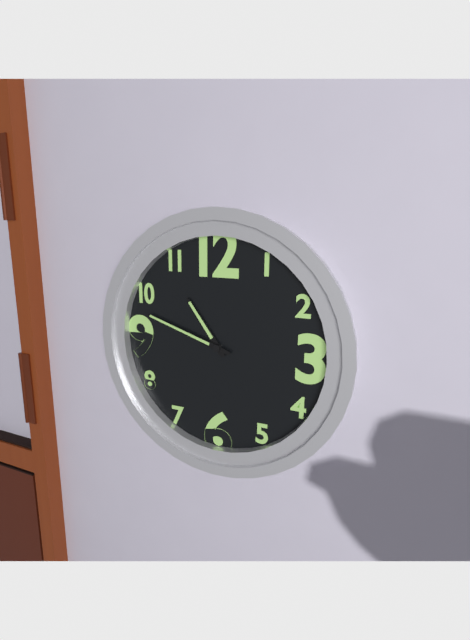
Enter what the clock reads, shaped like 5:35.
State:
10:48
